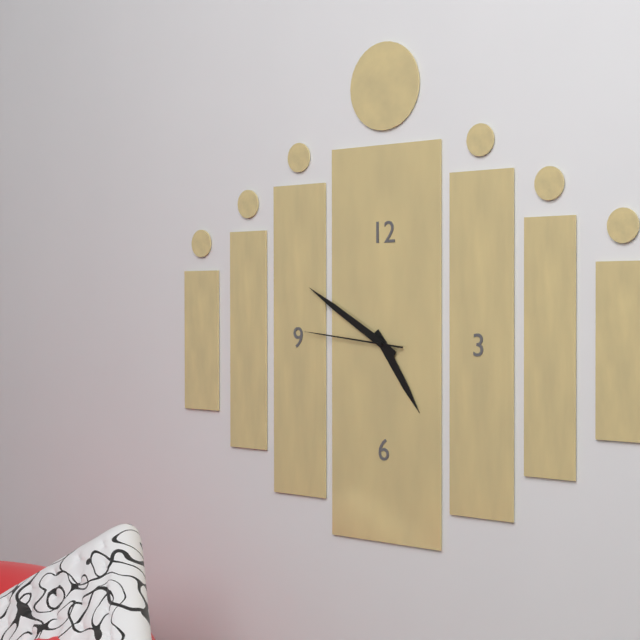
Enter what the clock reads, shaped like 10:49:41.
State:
4:50:46
